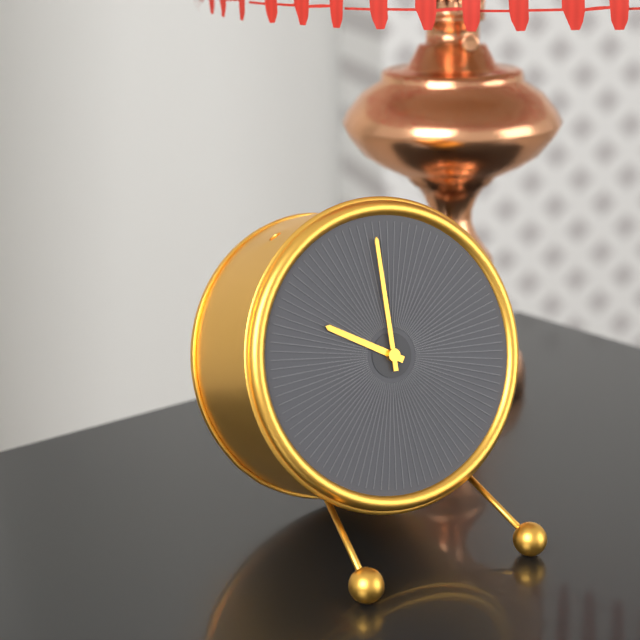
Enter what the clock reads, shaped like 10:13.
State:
10:00
